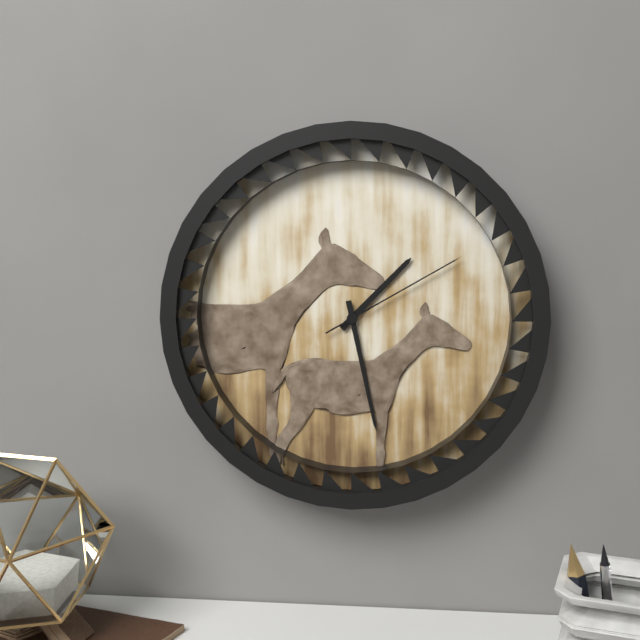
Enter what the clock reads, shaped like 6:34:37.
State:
1:28:10
